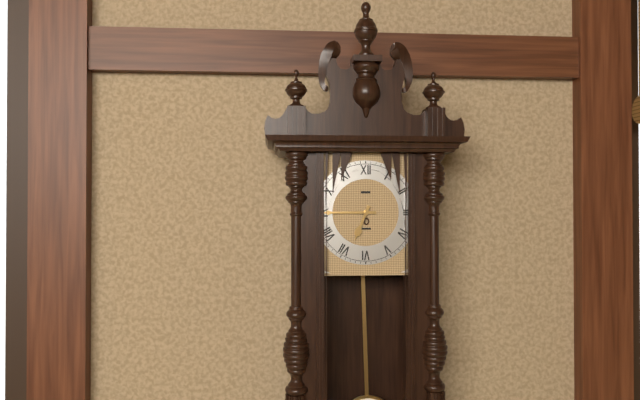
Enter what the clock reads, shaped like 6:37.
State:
6:45
